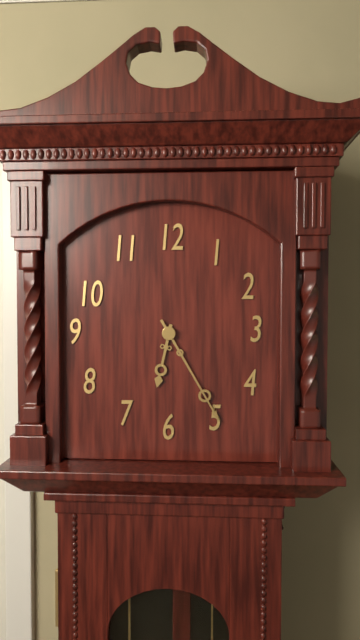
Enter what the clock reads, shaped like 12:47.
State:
6:25
